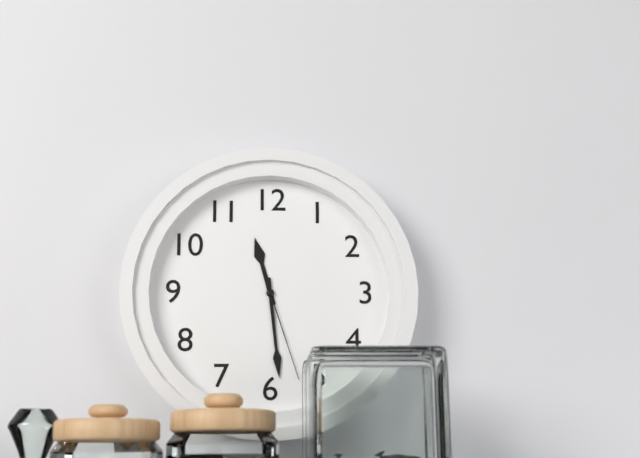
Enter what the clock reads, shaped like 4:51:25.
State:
11:29:27
